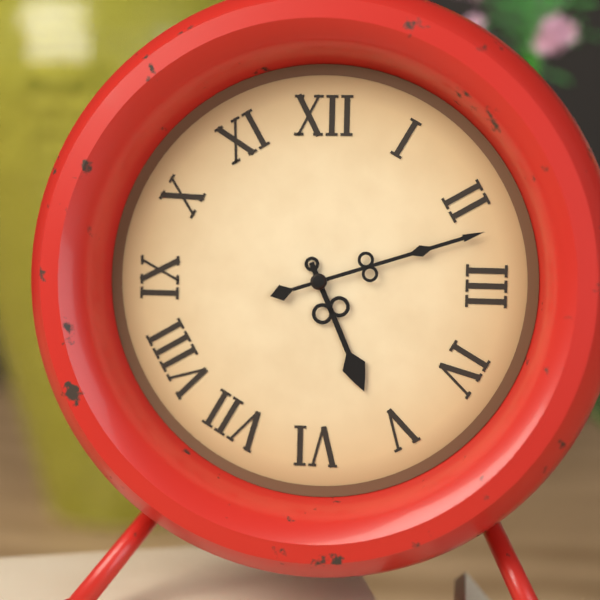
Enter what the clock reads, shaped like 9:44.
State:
5:12
